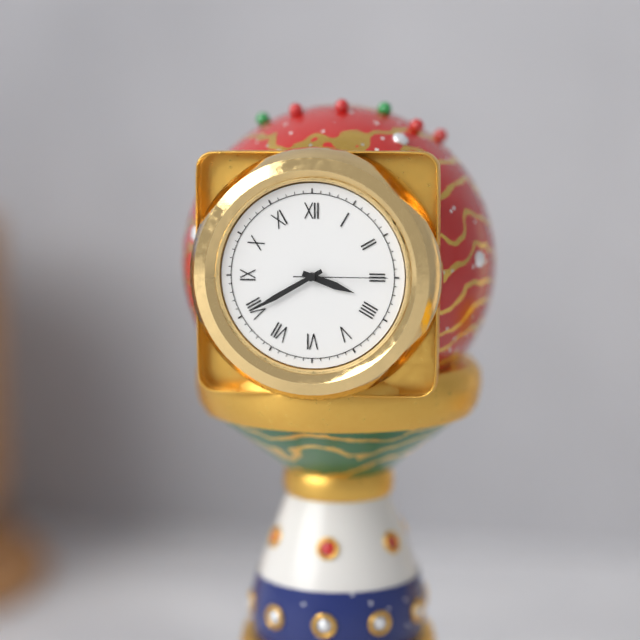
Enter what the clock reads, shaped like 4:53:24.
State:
3:40:15
